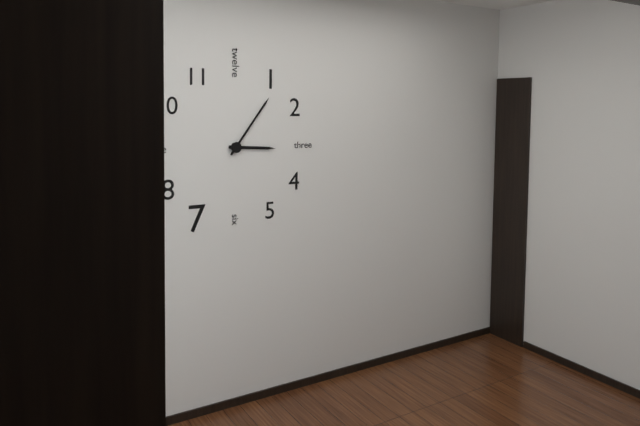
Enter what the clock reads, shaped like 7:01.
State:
3:06
